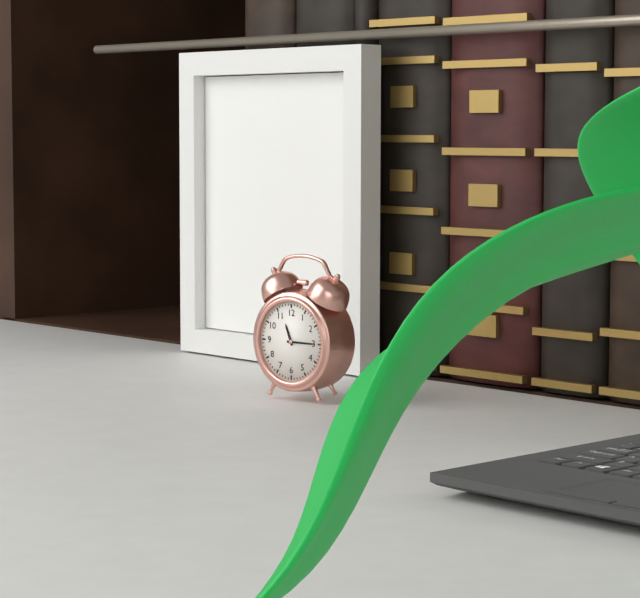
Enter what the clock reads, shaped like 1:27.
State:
11:15
